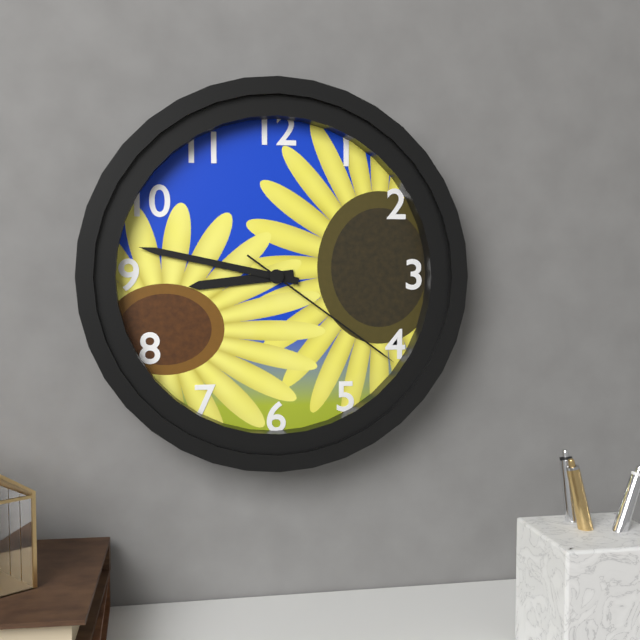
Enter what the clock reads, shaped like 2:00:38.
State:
8:47:21
